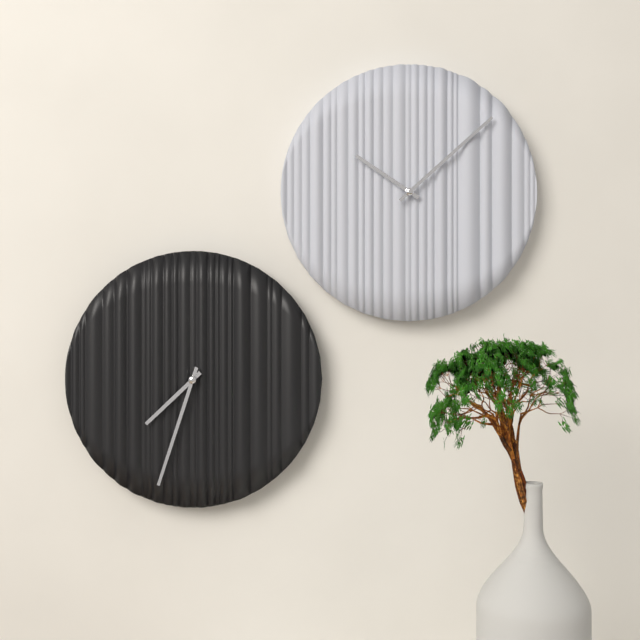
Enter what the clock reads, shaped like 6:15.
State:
7:33
